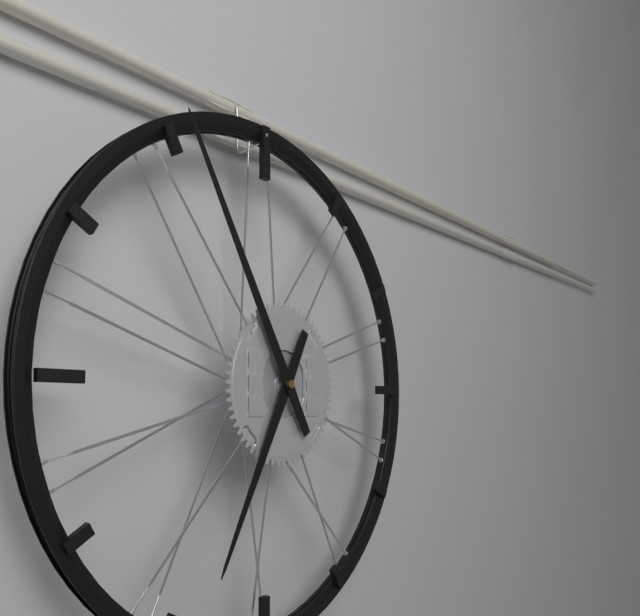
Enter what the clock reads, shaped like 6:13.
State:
6:55
